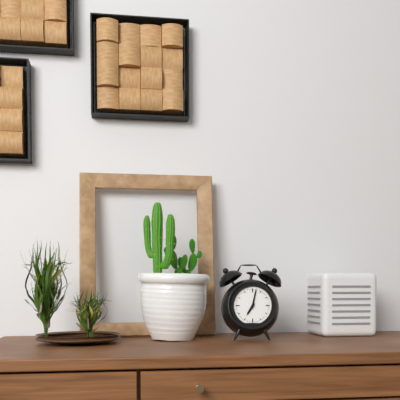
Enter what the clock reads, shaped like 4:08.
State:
7:02
